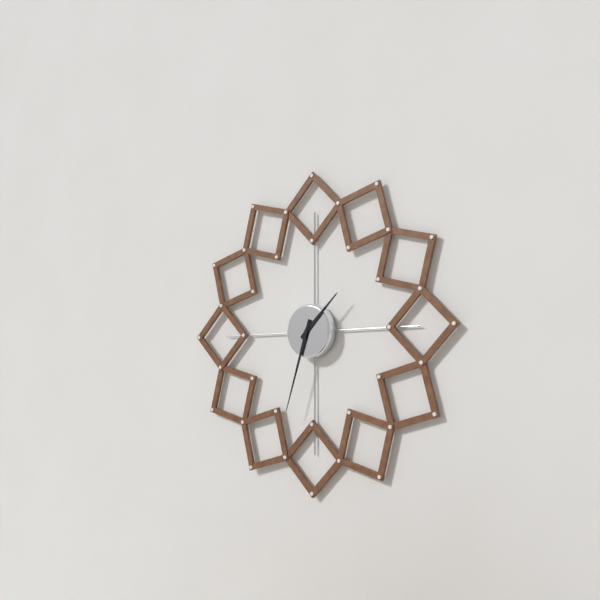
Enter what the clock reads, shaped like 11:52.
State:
1:33
